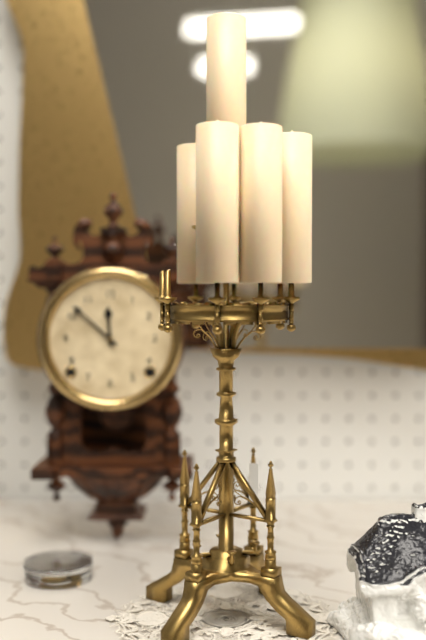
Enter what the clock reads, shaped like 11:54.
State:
11:52
